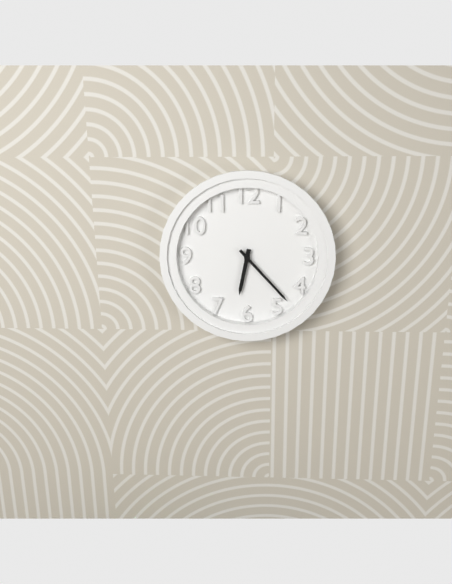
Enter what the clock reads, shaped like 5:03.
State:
6:23
